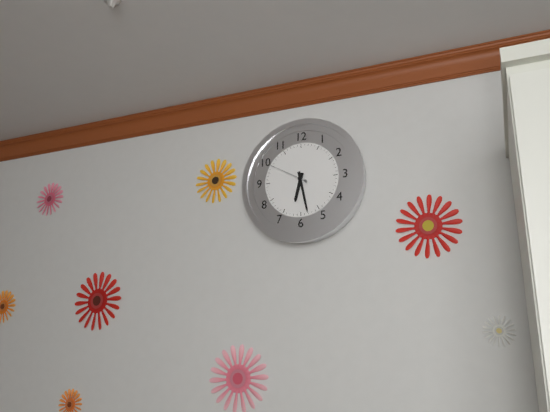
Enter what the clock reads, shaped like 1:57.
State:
6:28
